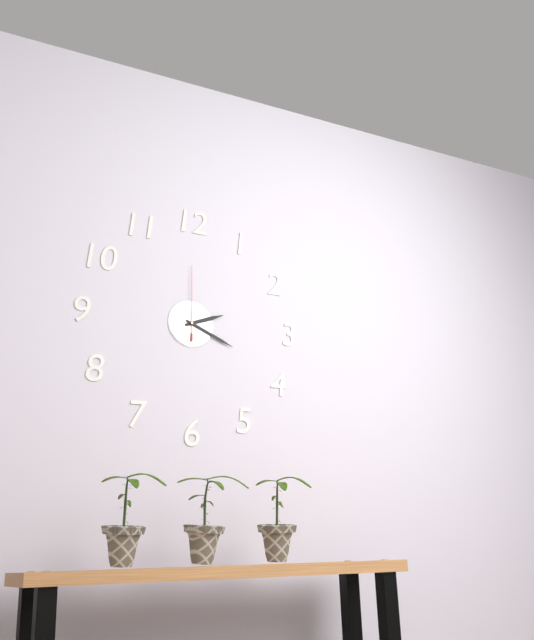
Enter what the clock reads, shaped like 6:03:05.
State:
2:19:00
